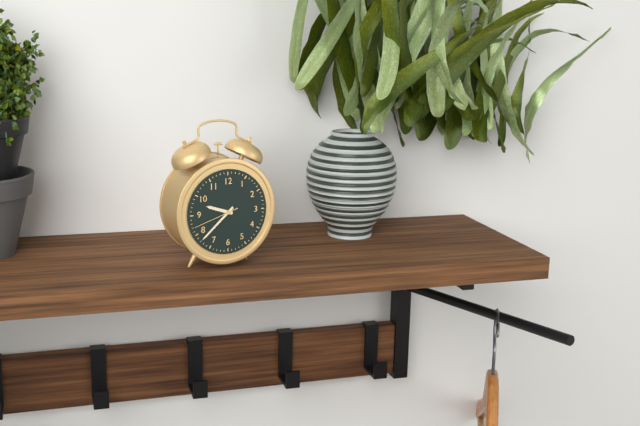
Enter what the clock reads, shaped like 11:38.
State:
9:38
